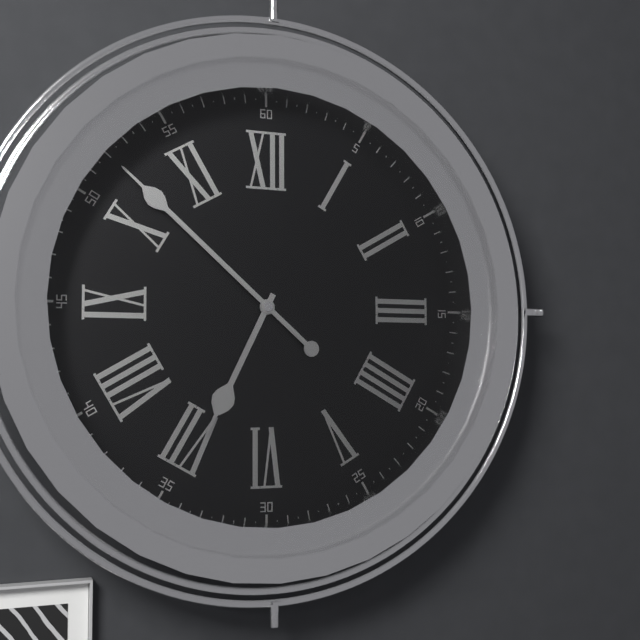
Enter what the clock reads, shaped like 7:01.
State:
6:52
